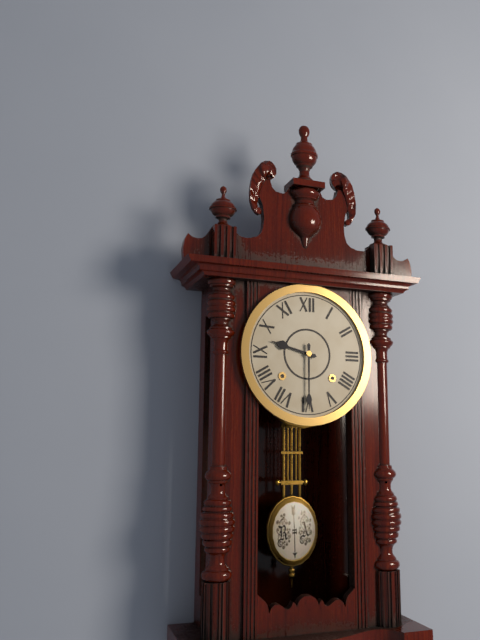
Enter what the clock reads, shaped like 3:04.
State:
9:30
